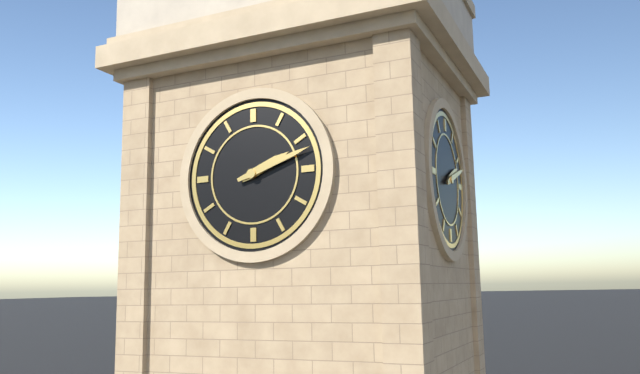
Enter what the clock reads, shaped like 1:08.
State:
2:12
